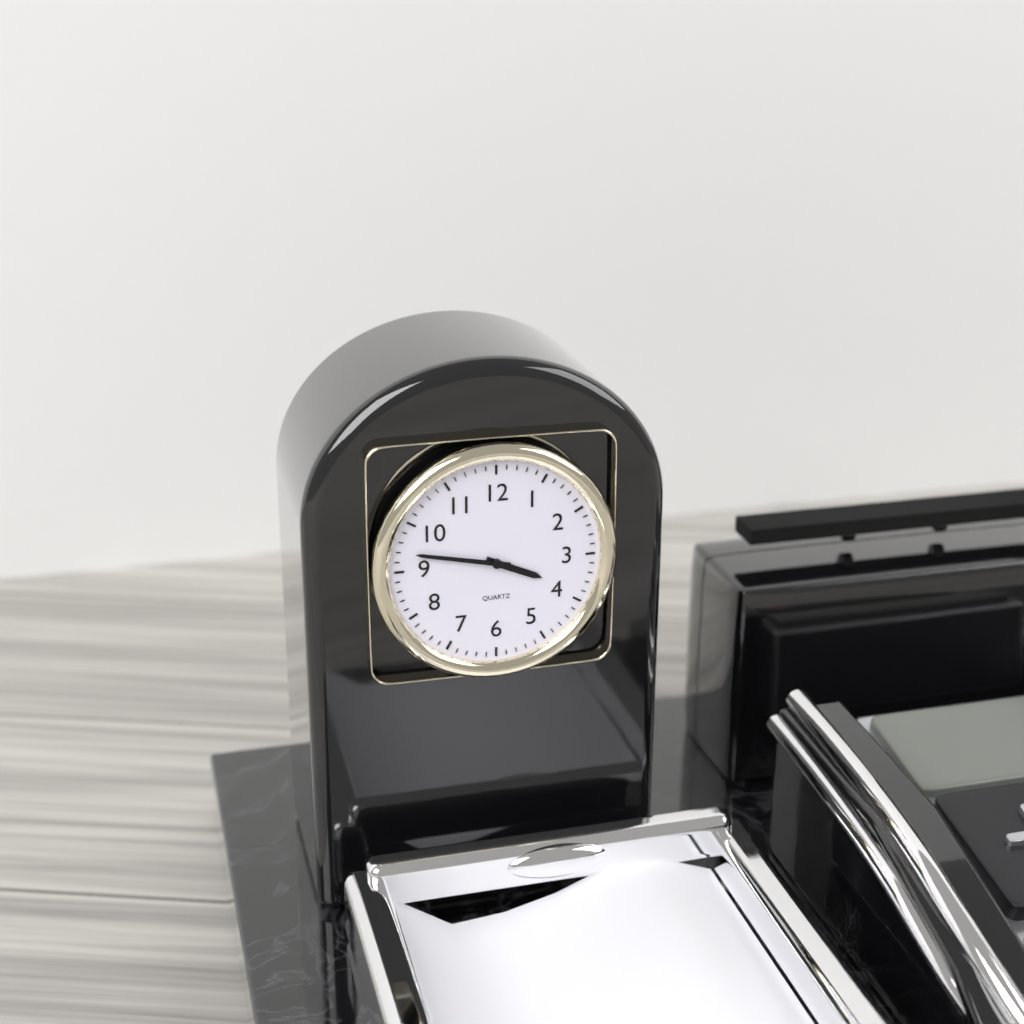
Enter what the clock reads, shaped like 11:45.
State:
3:47
